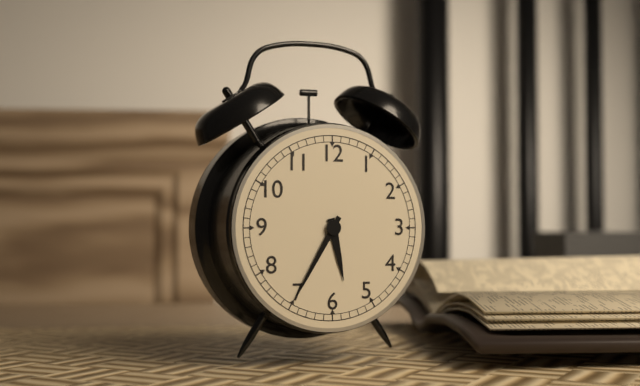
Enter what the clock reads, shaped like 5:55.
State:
5:35
